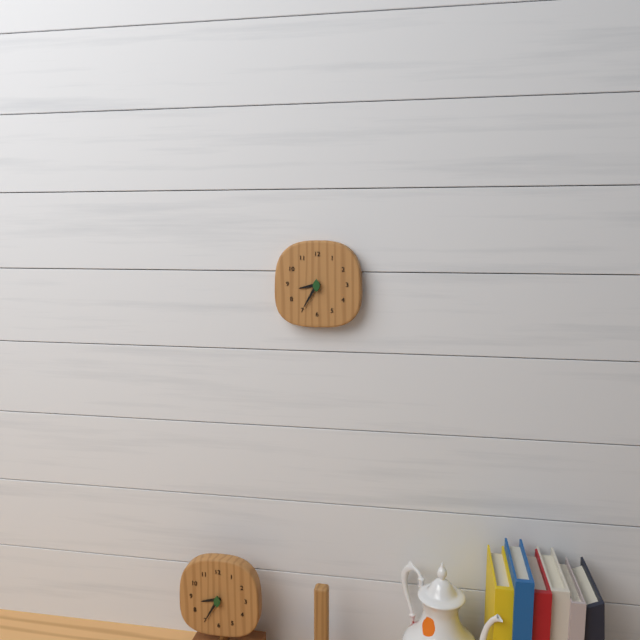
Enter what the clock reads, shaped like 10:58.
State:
8:35
